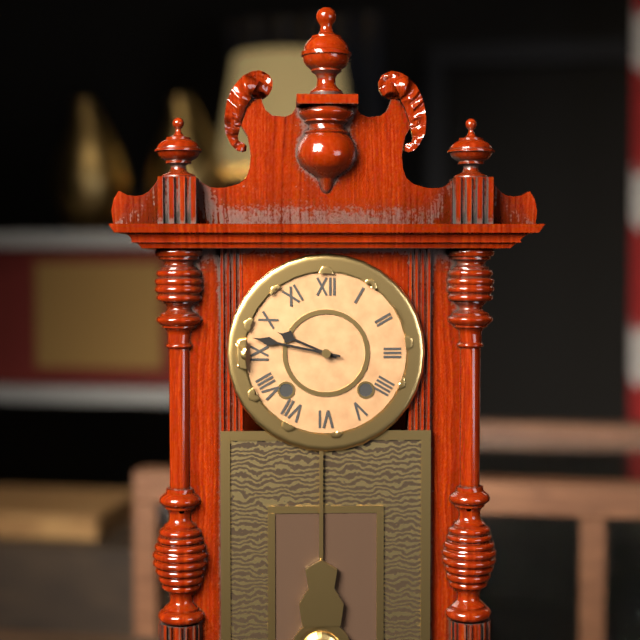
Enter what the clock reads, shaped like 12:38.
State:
9:47
